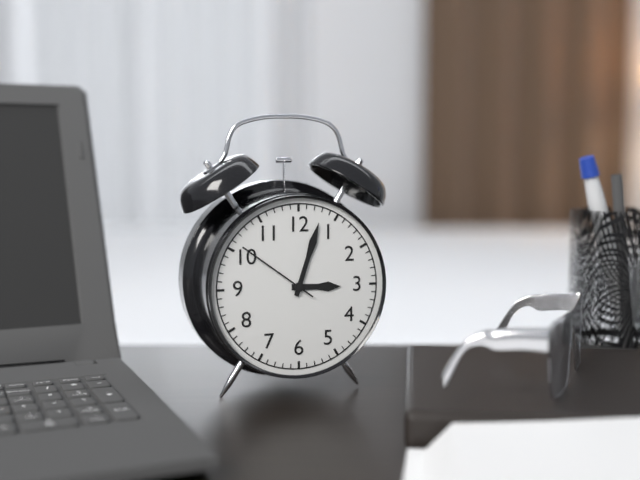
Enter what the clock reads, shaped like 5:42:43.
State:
3:03:51
